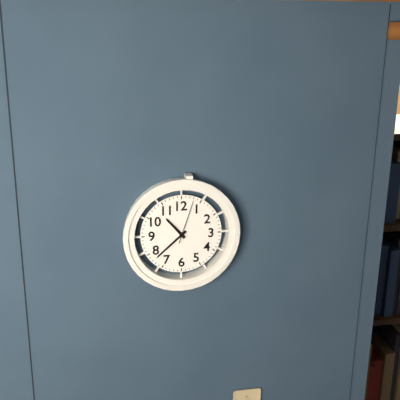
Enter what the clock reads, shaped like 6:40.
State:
10:38
